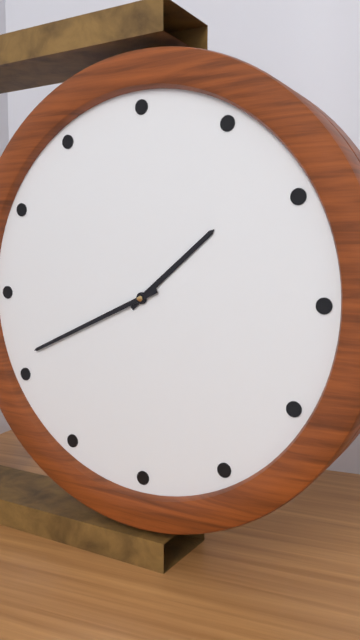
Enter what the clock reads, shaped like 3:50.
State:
1:41
